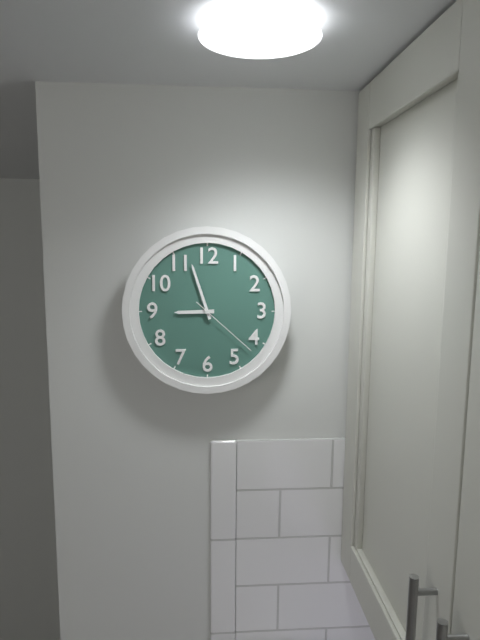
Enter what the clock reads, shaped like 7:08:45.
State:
8:57:22
